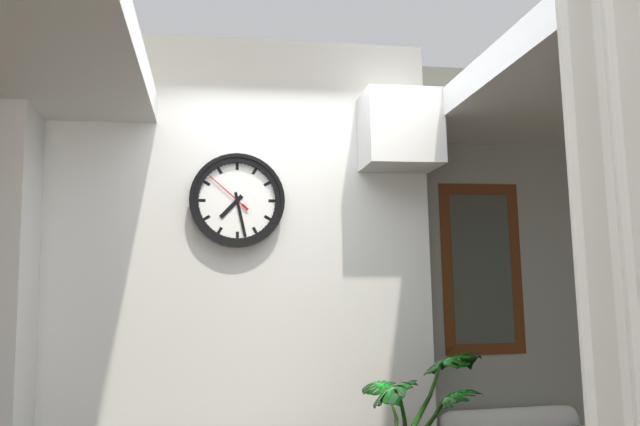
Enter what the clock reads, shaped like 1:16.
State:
7:28
